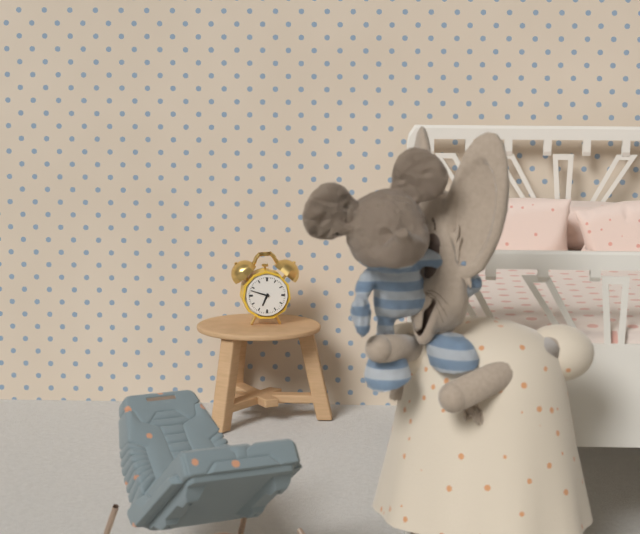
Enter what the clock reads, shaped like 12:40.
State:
6:48
